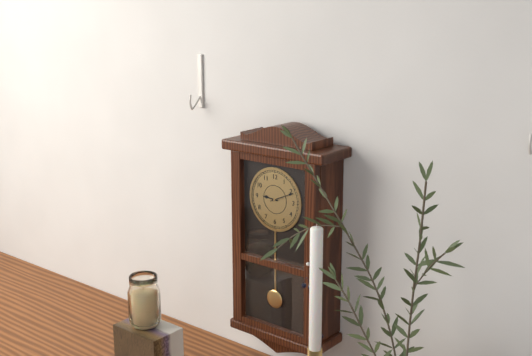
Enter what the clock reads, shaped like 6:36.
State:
9:11
